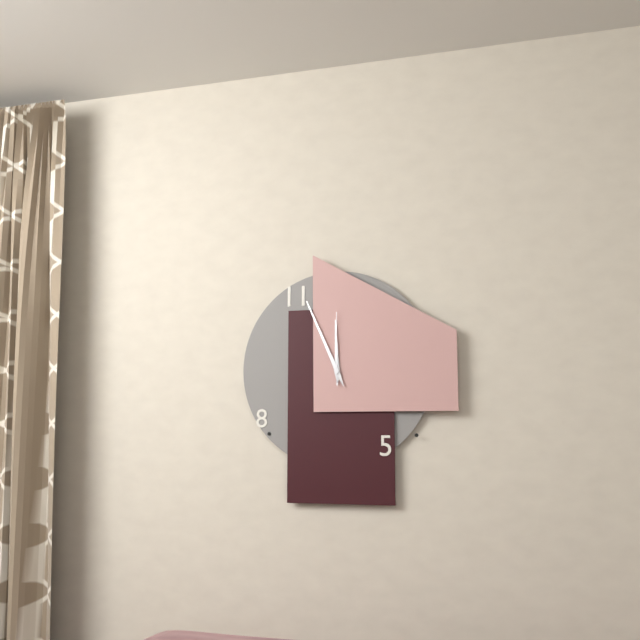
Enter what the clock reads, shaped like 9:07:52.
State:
11:56:00
